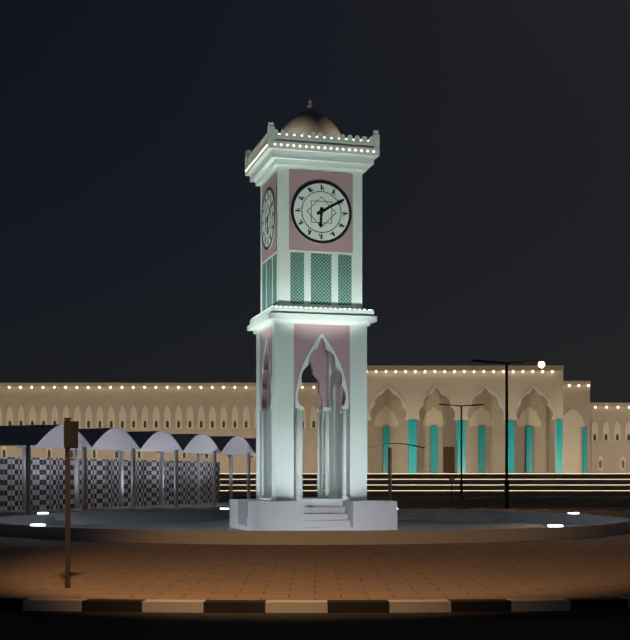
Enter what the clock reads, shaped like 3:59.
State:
6:10
